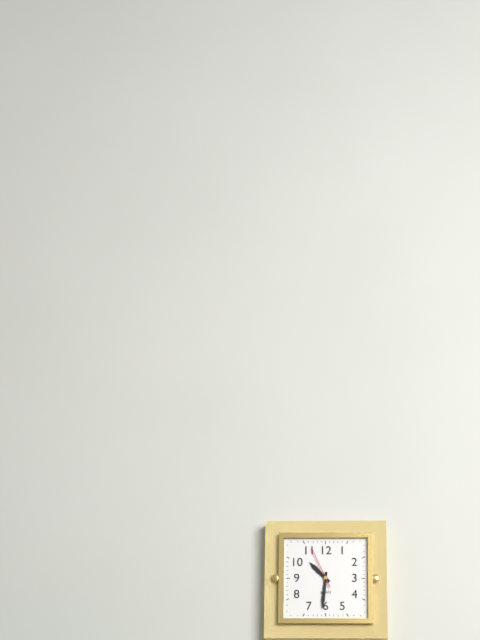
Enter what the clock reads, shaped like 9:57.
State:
10:31
